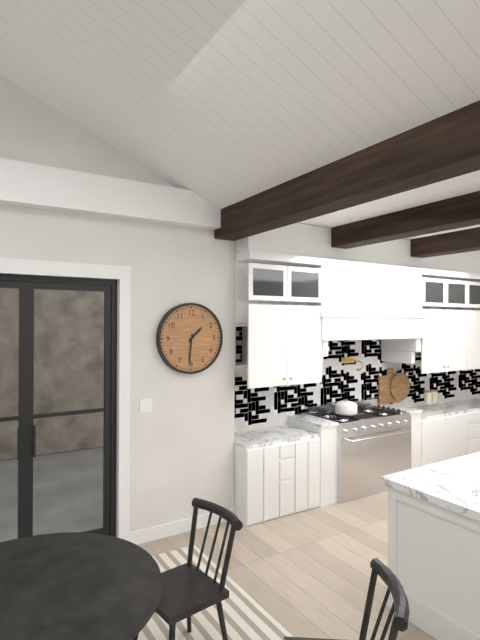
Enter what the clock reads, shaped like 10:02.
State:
1:31
